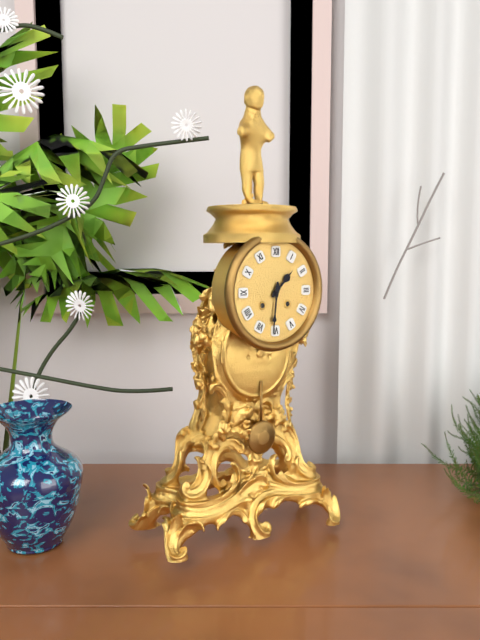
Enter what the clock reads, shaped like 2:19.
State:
1:31
